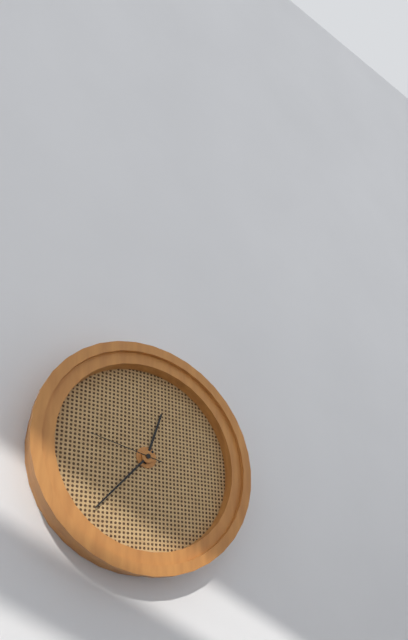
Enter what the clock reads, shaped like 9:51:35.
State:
12:37:47
